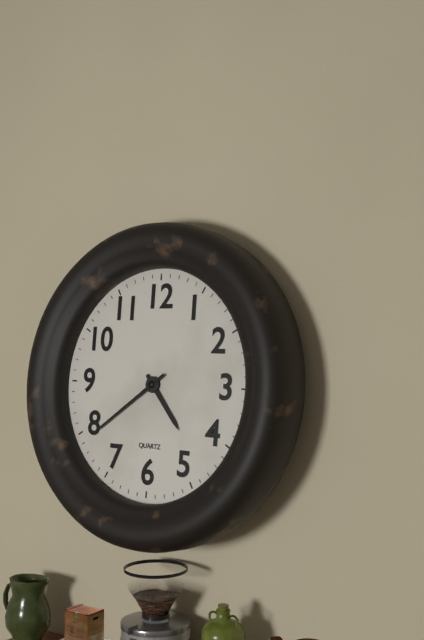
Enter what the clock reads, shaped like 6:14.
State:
4:39
